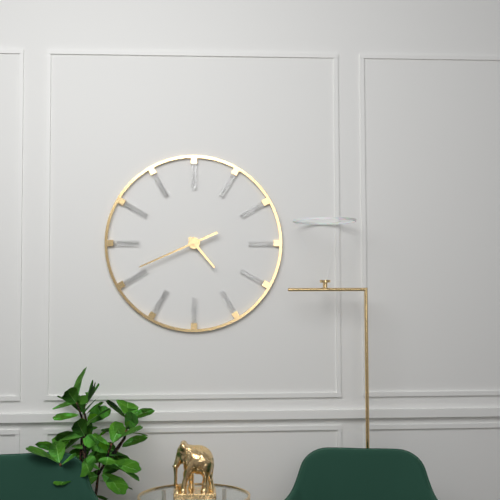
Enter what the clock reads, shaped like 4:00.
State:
4:41
